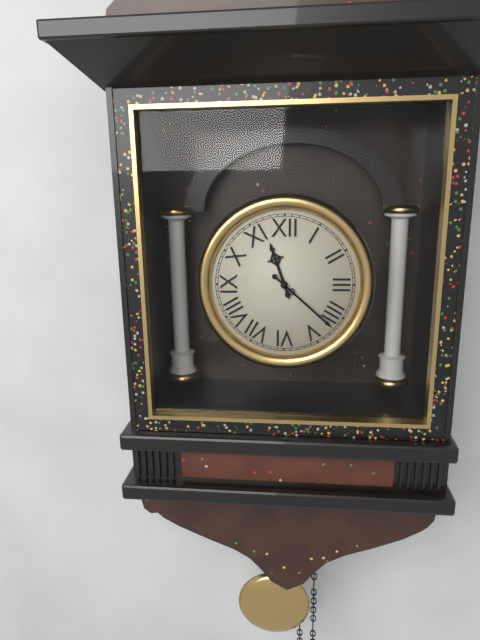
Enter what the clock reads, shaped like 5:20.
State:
11:22
